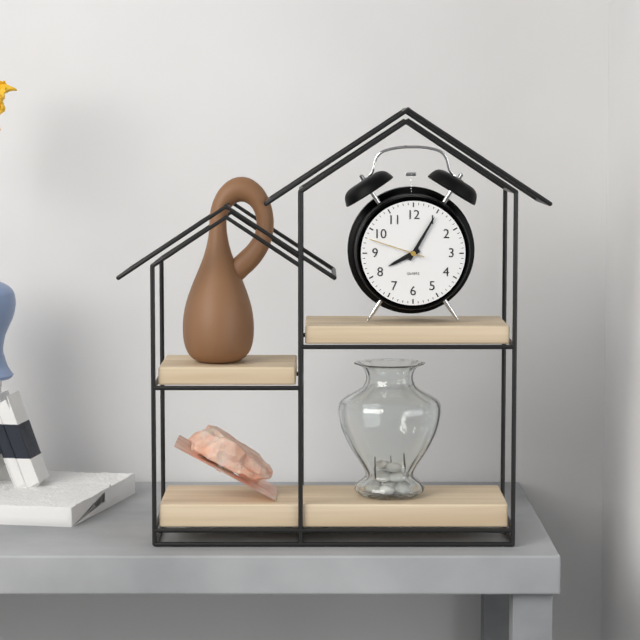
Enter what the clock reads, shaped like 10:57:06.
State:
8:05:48
